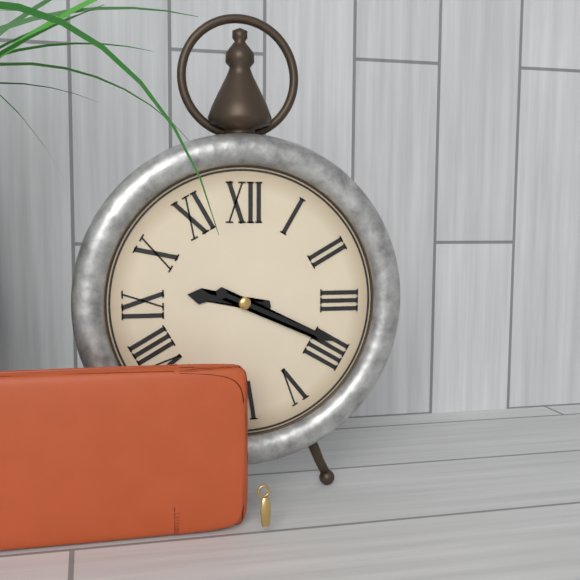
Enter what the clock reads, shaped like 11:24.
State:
9:19
